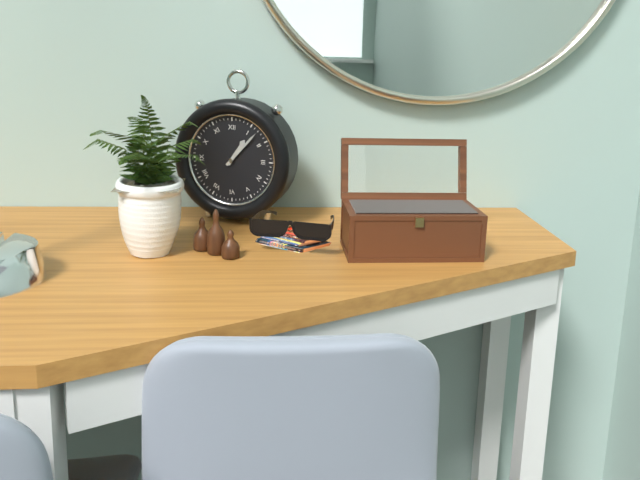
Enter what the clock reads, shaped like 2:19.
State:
1:07
